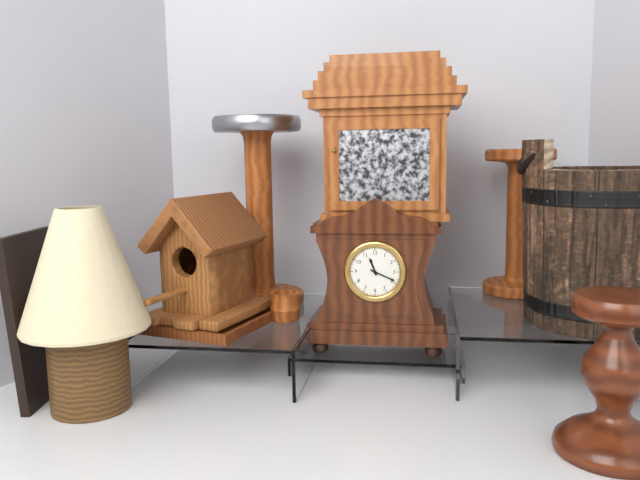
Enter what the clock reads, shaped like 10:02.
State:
11:19
